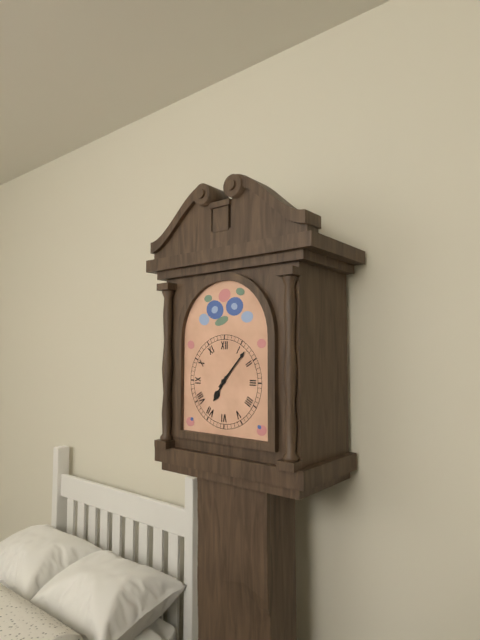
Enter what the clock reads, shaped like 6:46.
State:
7:07
